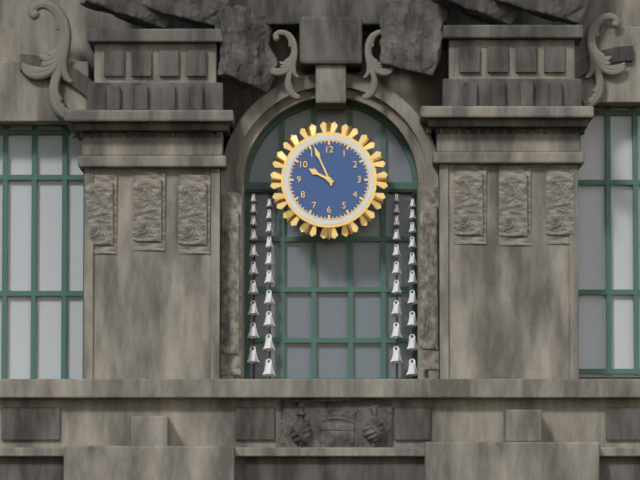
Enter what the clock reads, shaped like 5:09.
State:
9:56
